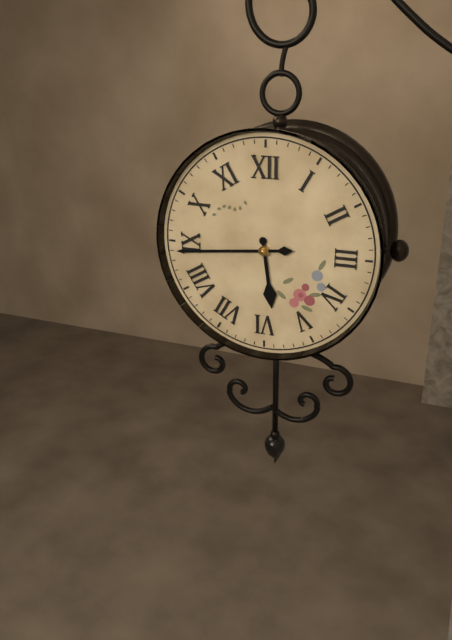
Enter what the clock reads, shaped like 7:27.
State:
5:44
